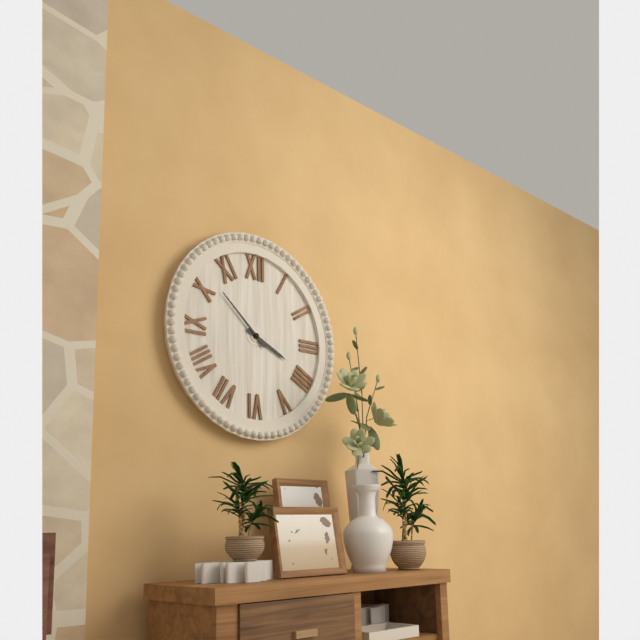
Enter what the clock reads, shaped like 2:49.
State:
3:52
